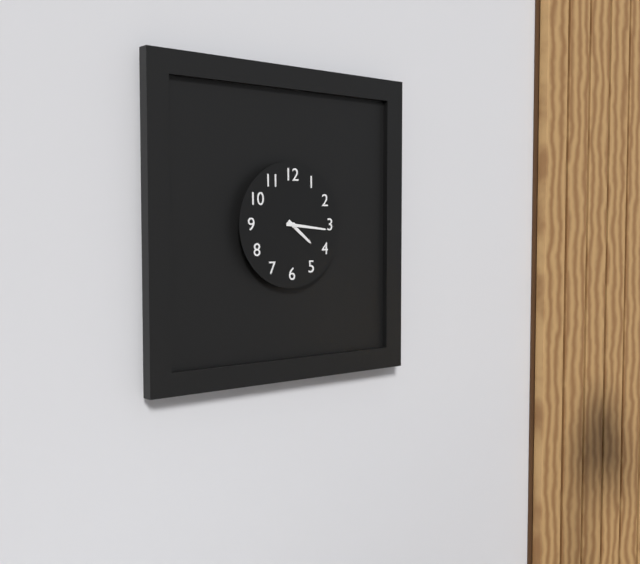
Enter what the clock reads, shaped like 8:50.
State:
4:16
